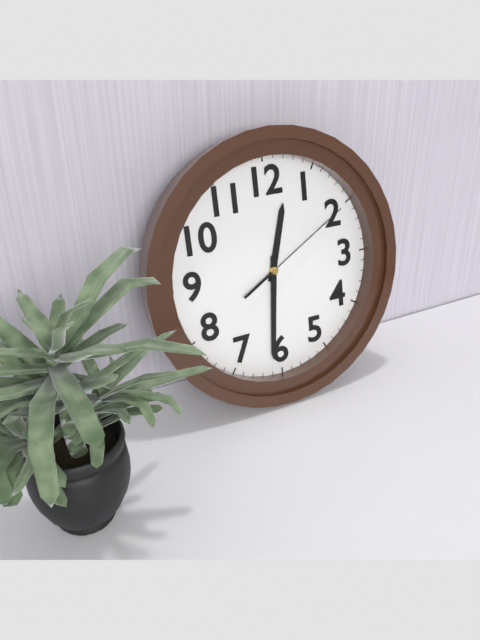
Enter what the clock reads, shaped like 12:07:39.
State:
12:31:10
